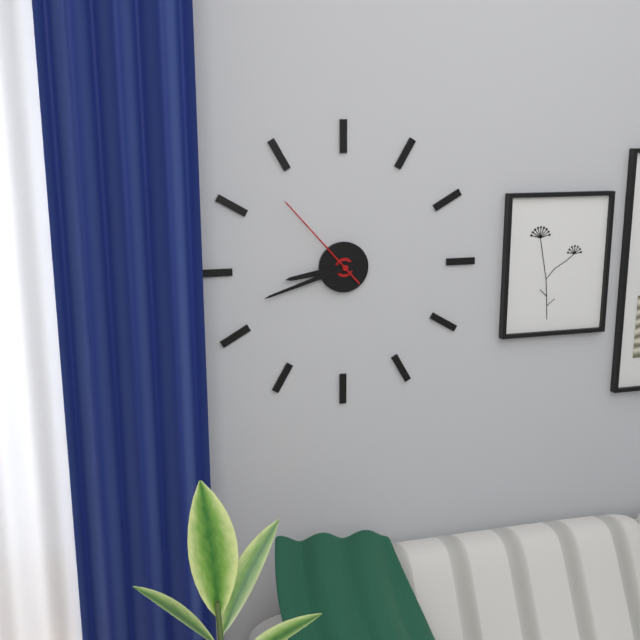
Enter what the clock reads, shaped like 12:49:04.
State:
8:42:53
